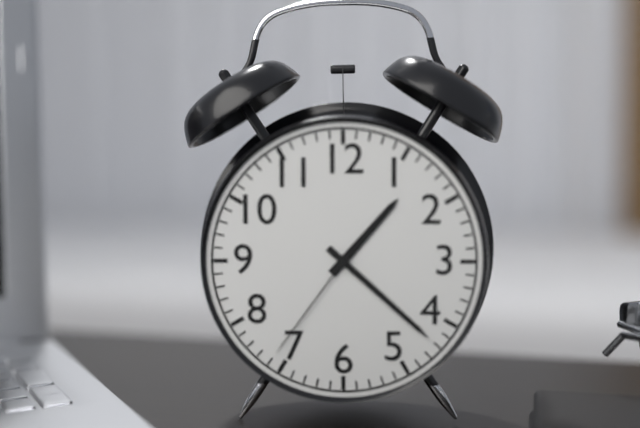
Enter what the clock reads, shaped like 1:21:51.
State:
1:22:36
